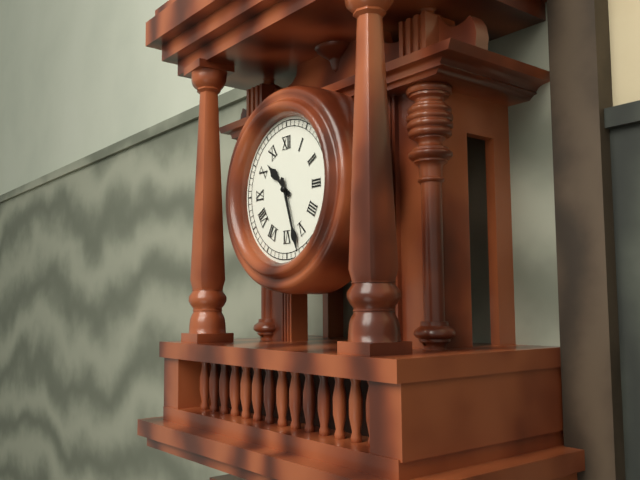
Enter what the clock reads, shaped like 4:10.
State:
10:27
